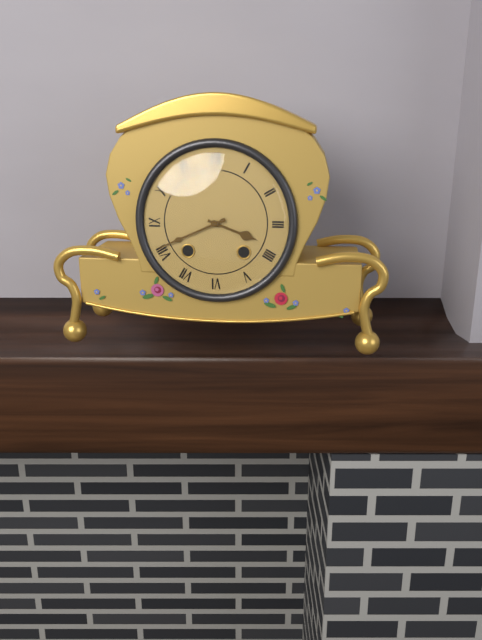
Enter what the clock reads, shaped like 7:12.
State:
3:41
